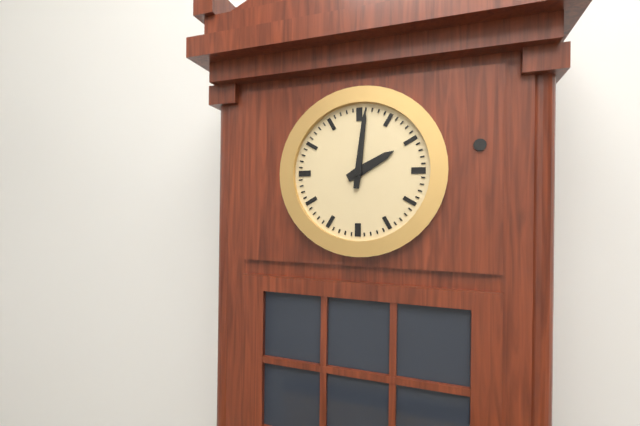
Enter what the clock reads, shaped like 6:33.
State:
2:01
